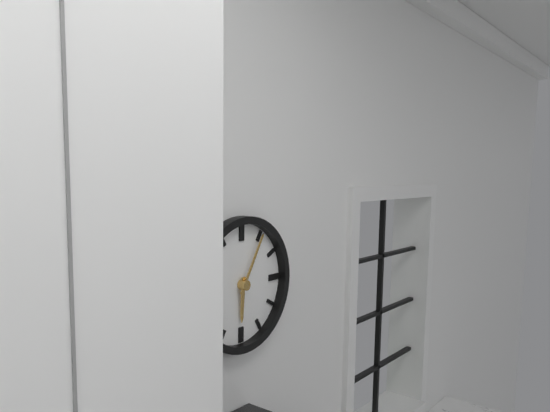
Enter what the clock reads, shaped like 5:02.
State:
6:05
